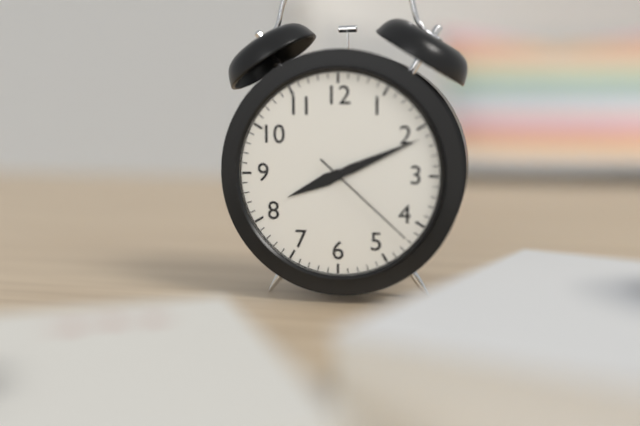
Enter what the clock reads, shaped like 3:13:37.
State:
8:11:22
